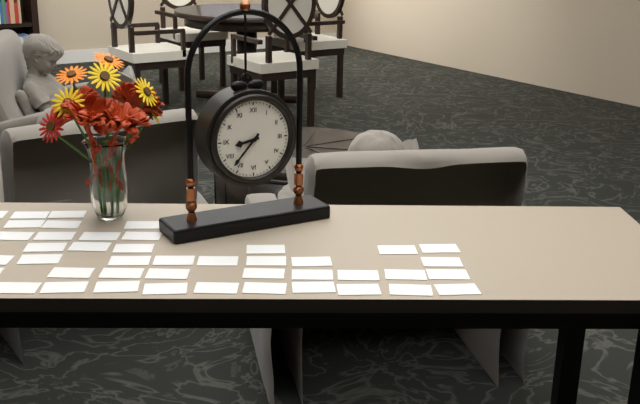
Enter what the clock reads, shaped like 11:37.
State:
8:37
